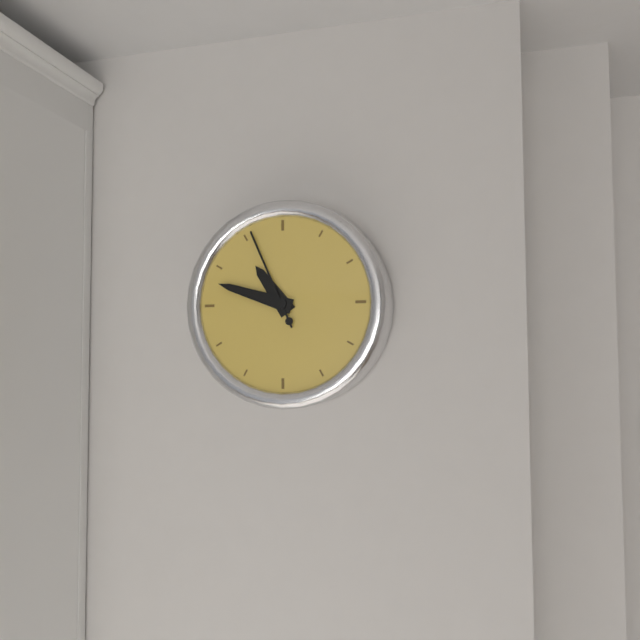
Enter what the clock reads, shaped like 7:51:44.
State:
10:48:56
